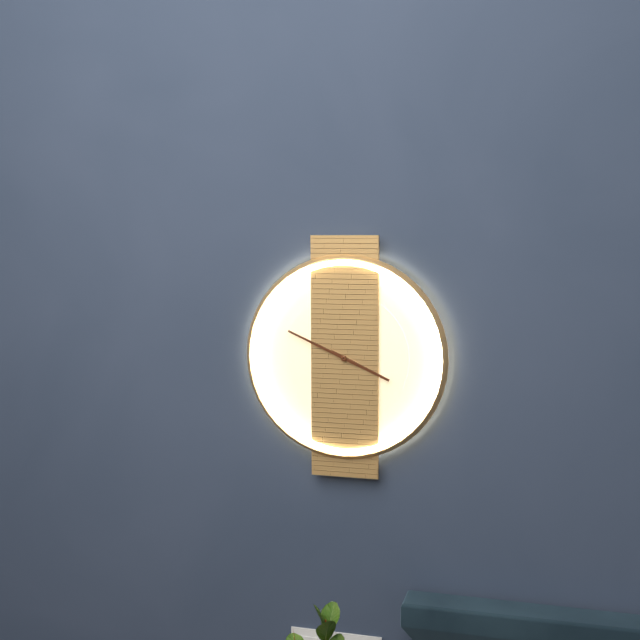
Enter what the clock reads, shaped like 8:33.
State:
3:49
